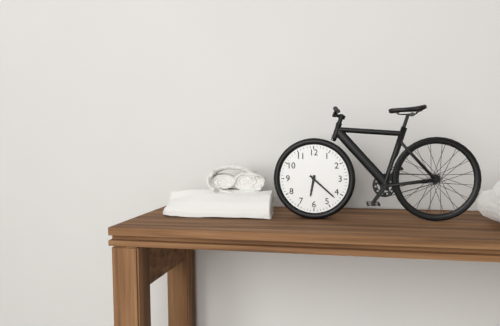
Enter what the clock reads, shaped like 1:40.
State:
6:22
